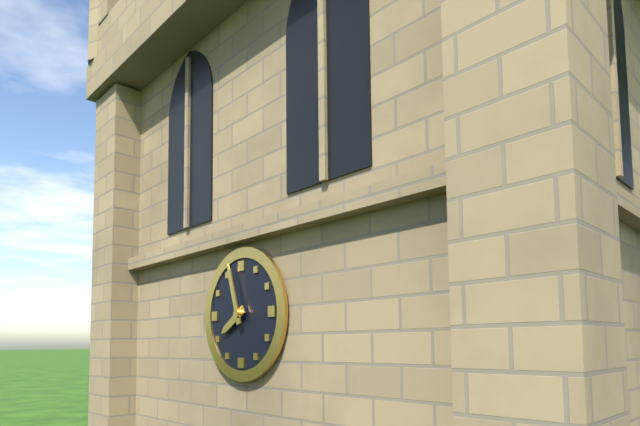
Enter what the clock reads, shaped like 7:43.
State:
7:57
